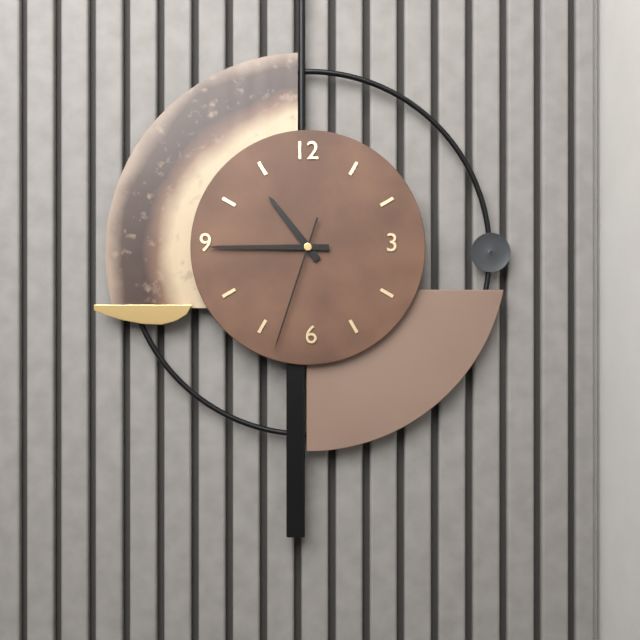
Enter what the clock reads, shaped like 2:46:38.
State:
10:45:33
